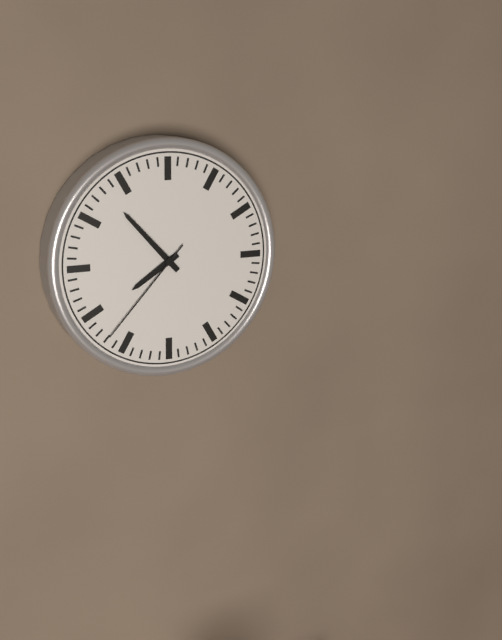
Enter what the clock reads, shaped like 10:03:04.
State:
7:53:37
